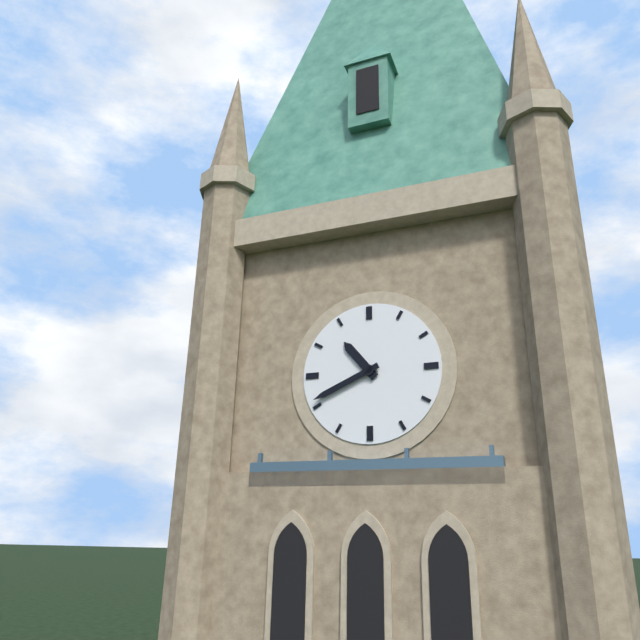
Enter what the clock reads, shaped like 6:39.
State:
10:41
